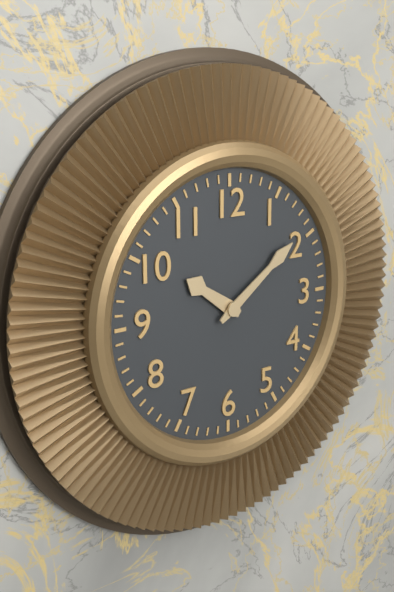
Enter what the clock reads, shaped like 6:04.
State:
10:09
